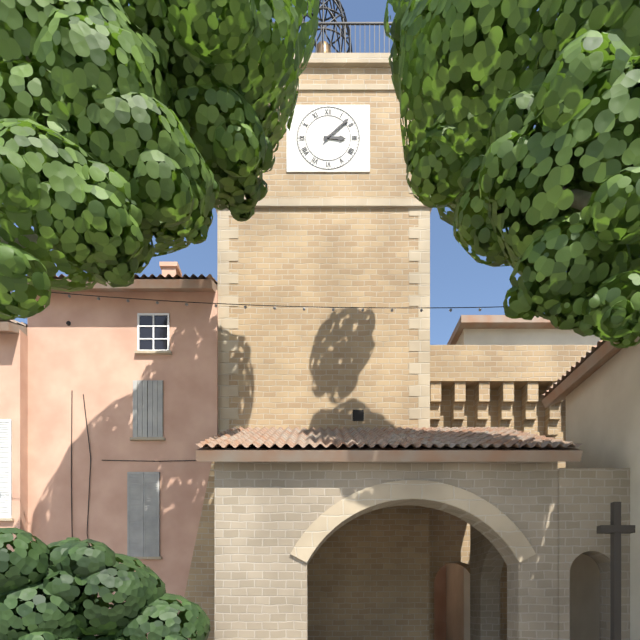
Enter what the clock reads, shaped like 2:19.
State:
3:08
